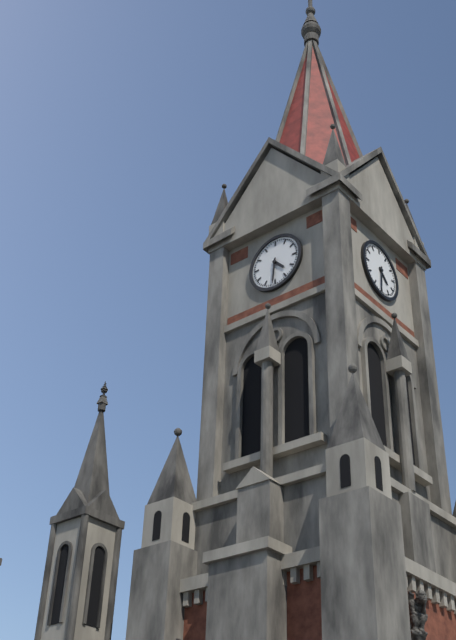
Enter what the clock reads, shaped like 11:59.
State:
4:31
